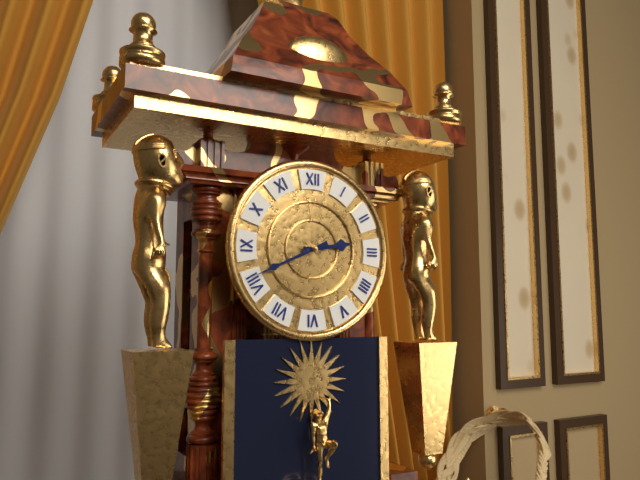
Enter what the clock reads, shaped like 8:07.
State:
2:41
